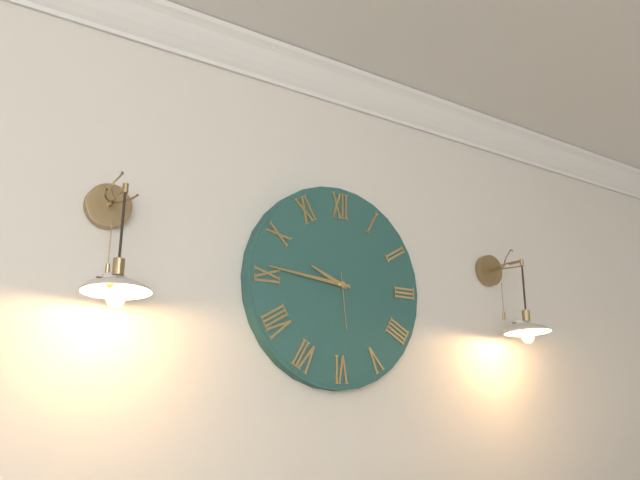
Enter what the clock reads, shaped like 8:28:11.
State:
9:46:29
